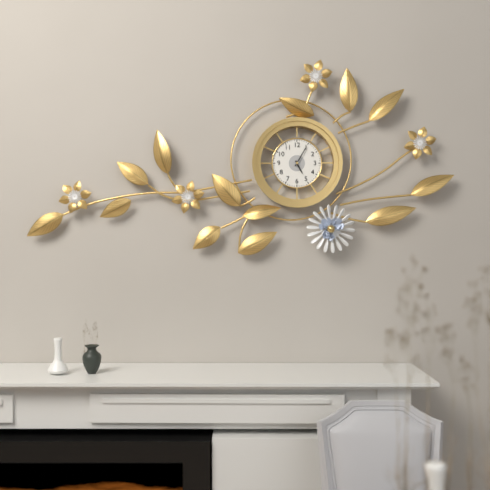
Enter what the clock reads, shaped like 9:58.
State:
5:05
